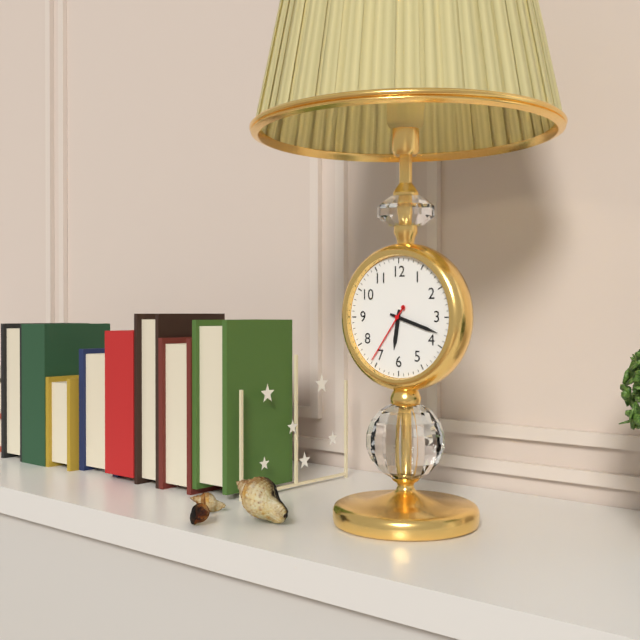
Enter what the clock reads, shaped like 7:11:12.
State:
6:18:36
